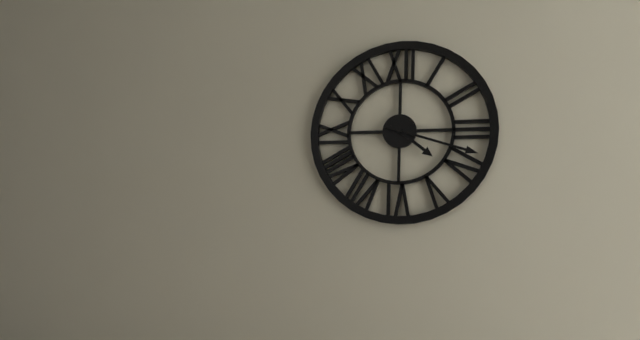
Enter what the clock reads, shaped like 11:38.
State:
4:18
